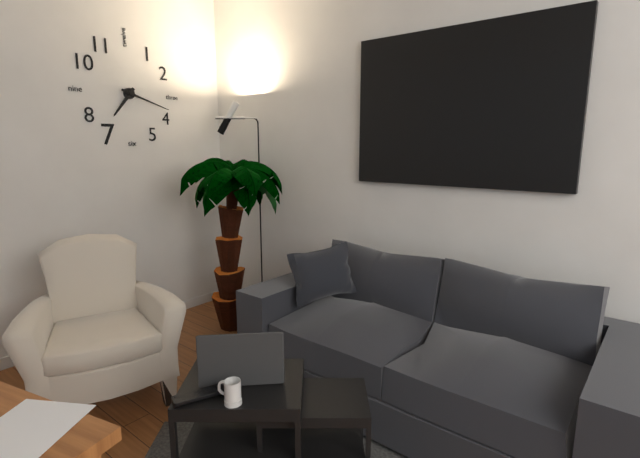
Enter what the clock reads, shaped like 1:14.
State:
7:18
